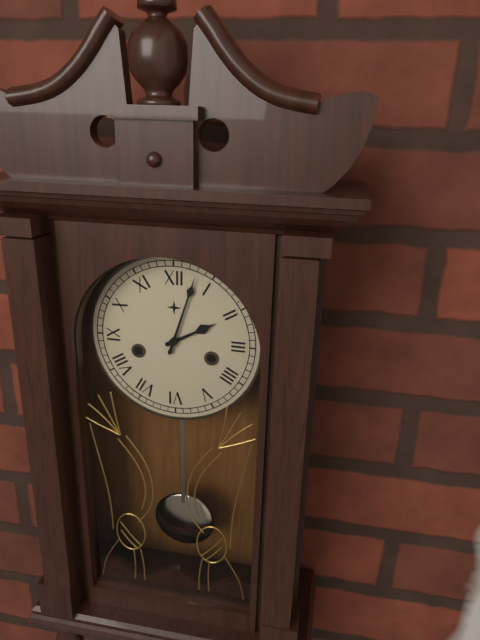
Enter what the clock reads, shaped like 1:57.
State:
2:03
